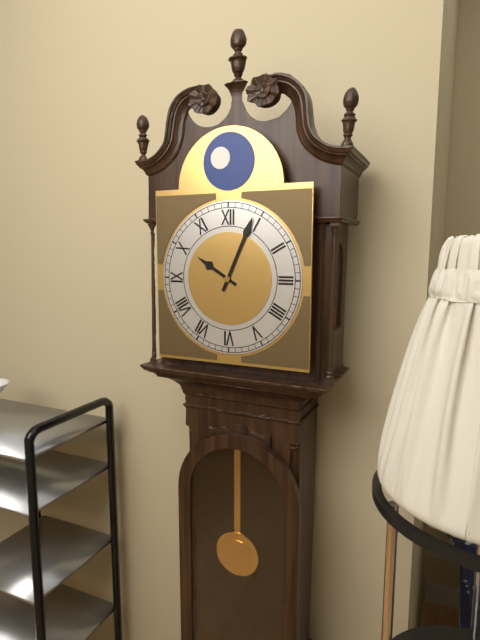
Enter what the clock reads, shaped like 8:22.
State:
10:04
